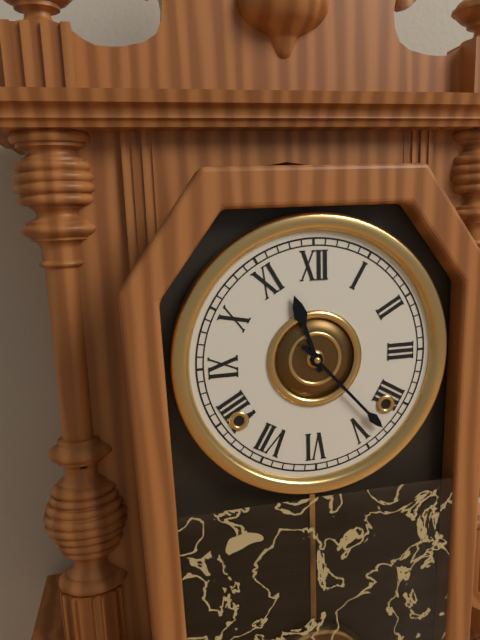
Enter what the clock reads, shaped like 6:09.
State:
11:23
